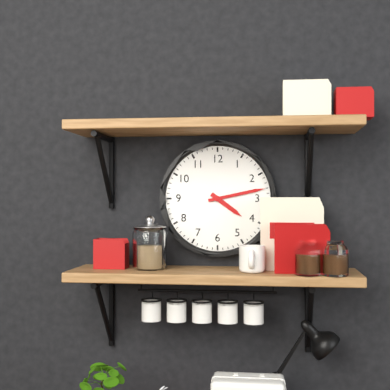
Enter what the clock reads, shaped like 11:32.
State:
4:13
